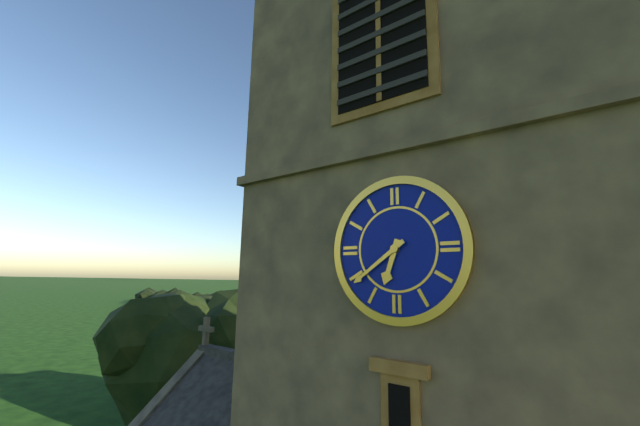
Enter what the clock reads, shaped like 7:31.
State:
6:39
